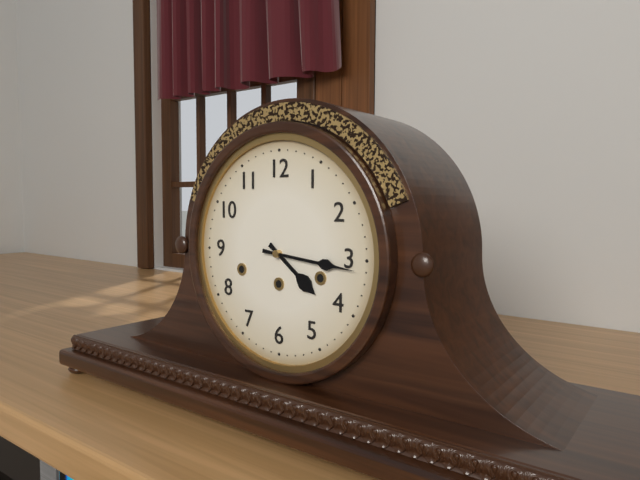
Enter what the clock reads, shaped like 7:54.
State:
4:16
